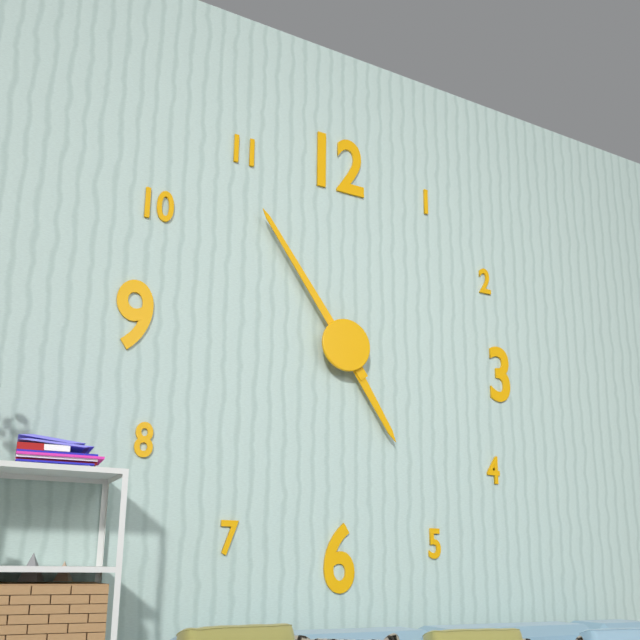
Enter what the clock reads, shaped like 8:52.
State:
4:54
